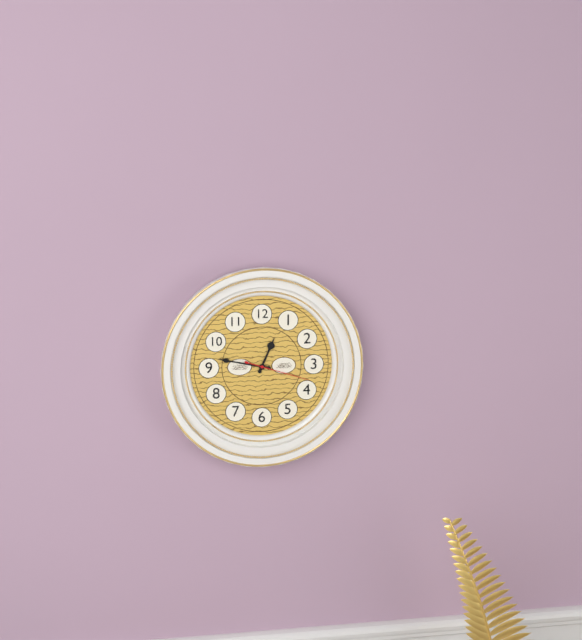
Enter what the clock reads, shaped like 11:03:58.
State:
12:47:18
